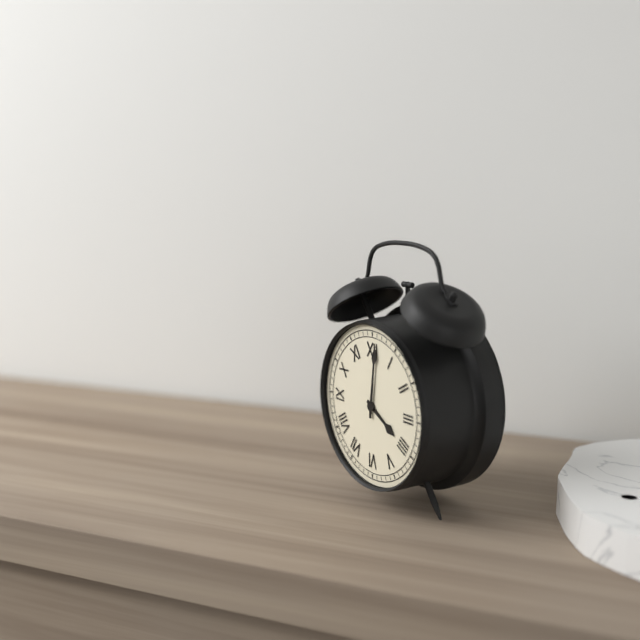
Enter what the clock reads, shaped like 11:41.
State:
4:01
